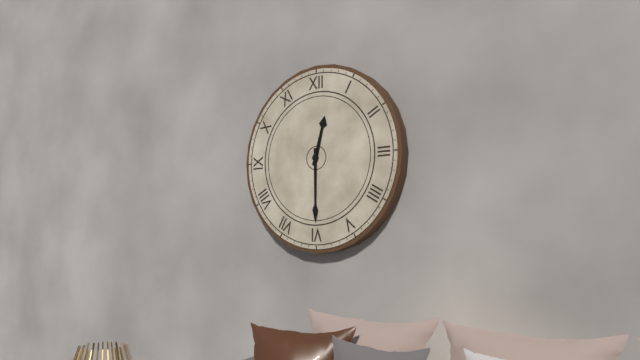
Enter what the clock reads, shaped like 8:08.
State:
12:30
